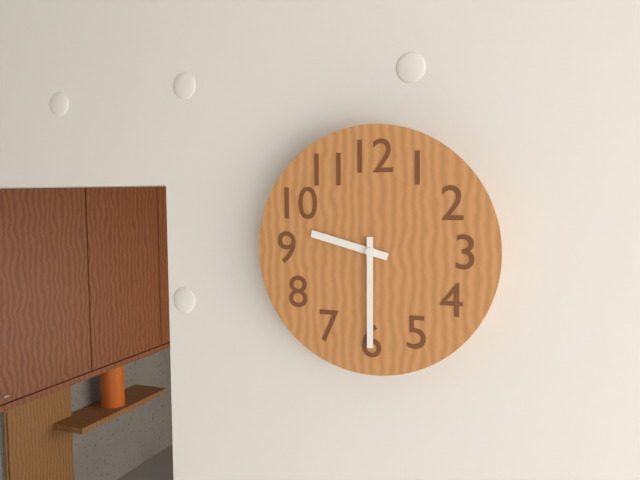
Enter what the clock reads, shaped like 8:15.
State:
9:30
